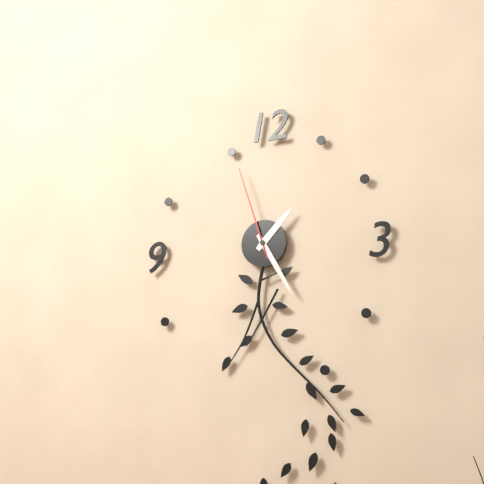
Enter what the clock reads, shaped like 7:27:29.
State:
1:25:57
